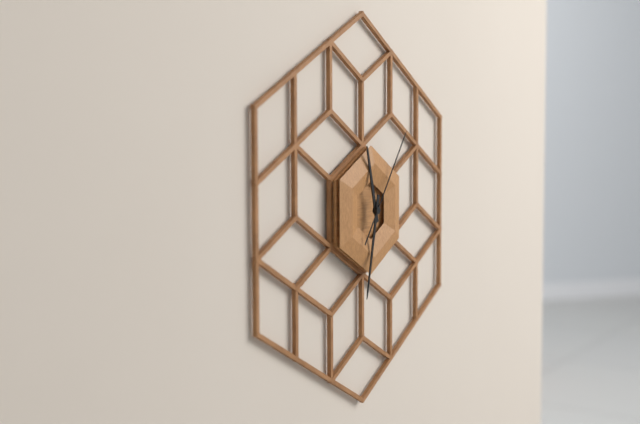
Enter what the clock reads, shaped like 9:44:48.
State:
11:32:06
